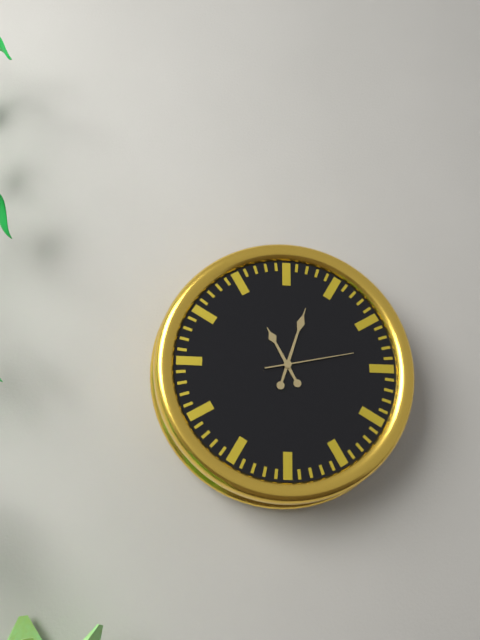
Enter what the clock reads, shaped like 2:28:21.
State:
11:03:13
